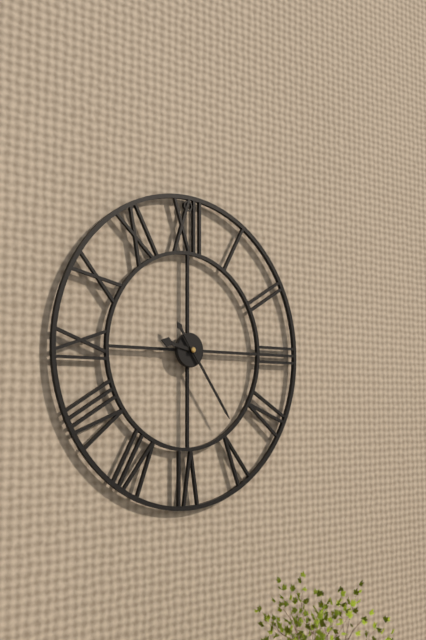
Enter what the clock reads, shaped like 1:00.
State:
9:24
